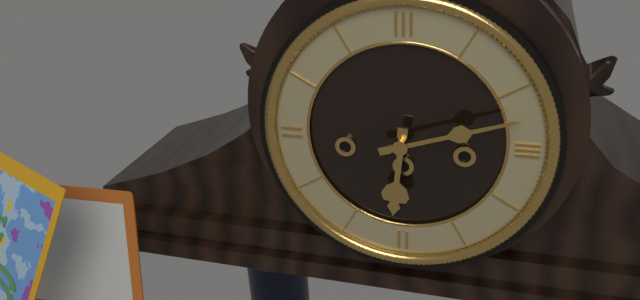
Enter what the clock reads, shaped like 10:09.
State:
6:12
